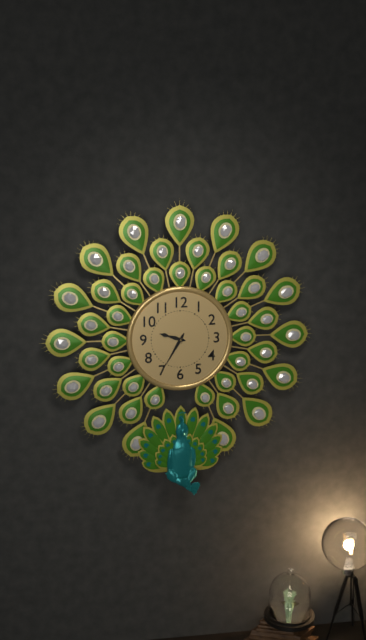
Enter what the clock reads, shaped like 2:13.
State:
9:35
